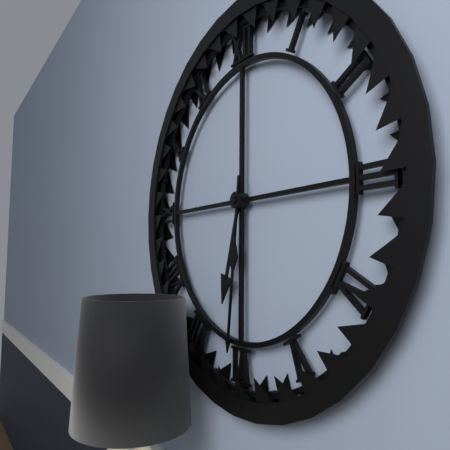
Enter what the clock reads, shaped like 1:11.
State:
6:31
